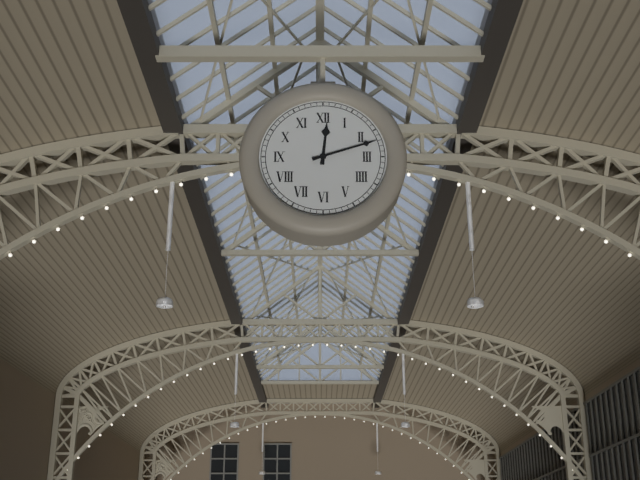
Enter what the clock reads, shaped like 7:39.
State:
12:12
